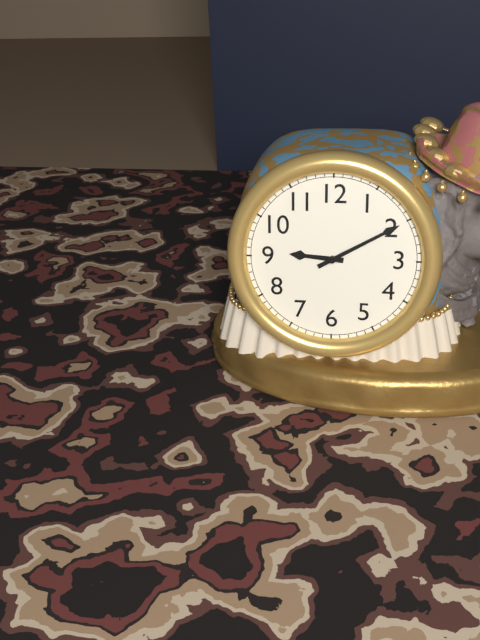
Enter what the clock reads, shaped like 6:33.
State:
9:10
